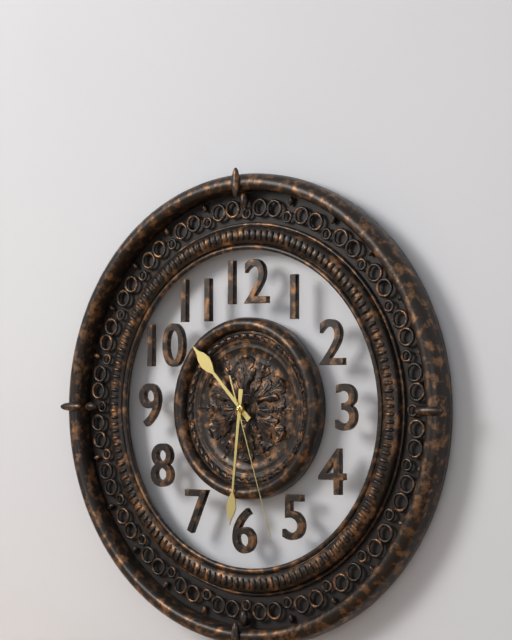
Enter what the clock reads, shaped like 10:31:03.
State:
10:31:27
